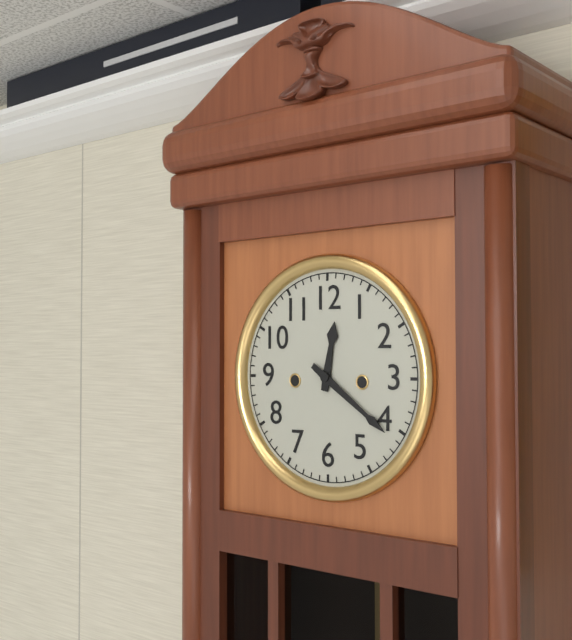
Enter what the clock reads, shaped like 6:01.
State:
12:21
